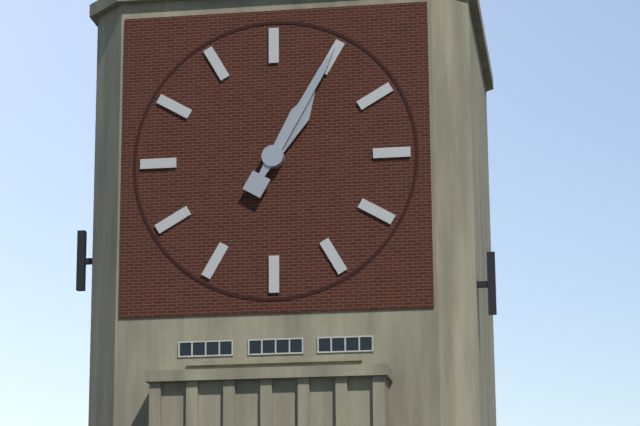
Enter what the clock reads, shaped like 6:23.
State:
1:05
